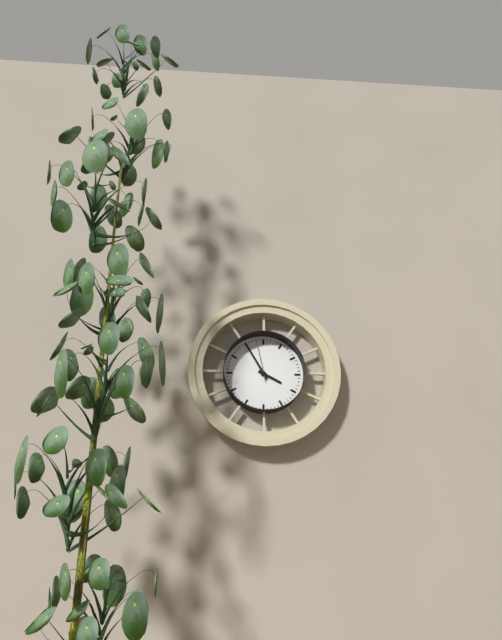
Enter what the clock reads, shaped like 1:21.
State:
3:55
